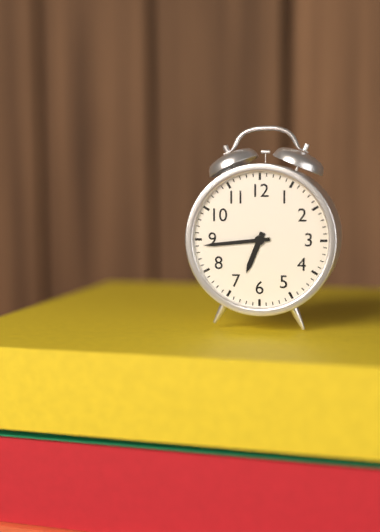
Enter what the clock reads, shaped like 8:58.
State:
6:44
